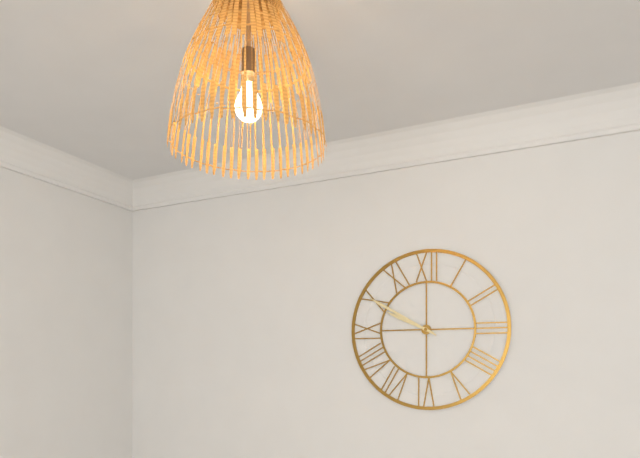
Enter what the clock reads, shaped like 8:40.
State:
9:50
